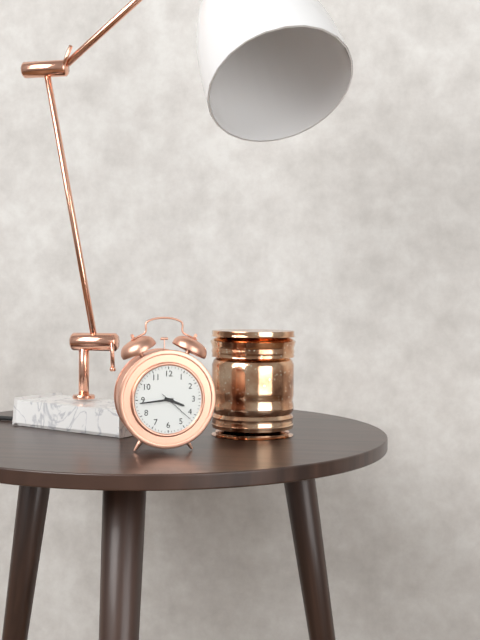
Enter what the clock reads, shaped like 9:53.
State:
3:44
